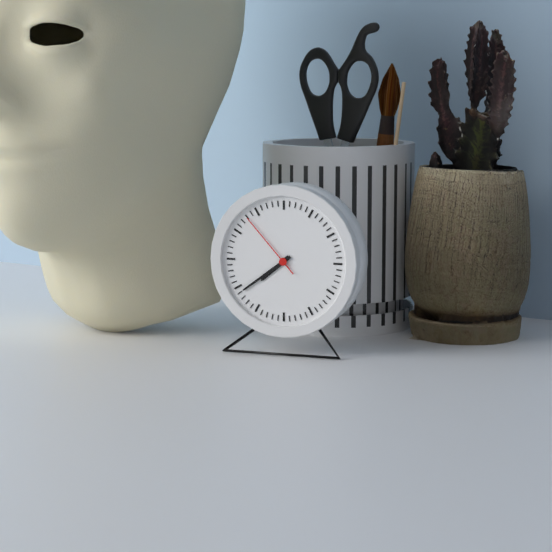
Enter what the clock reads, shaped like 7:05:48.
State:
7:39:53
